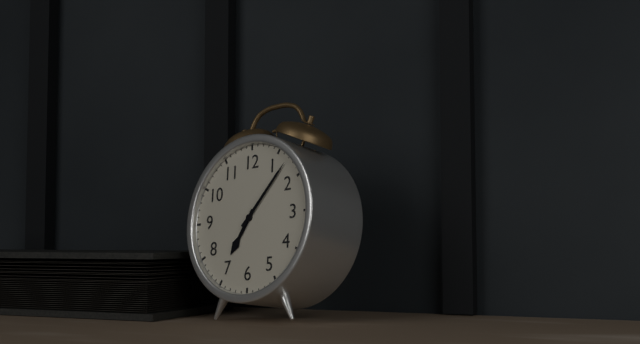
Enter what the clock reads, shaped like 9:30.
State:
7:07
